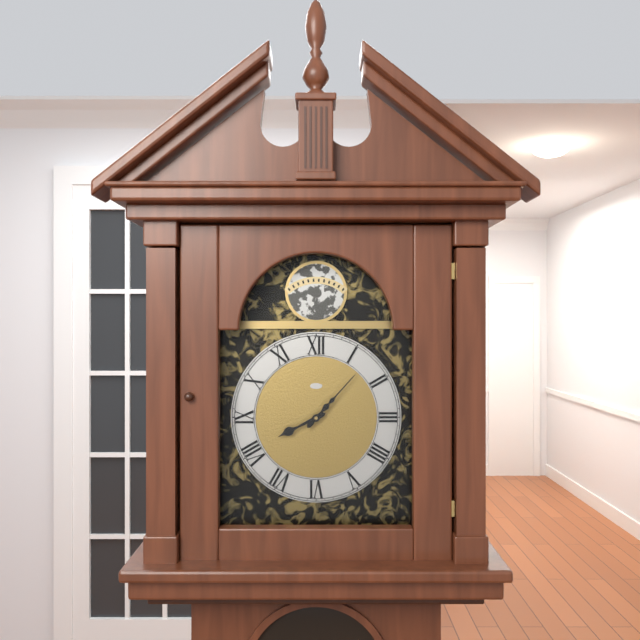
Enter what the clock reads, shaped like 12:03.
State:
8:07
